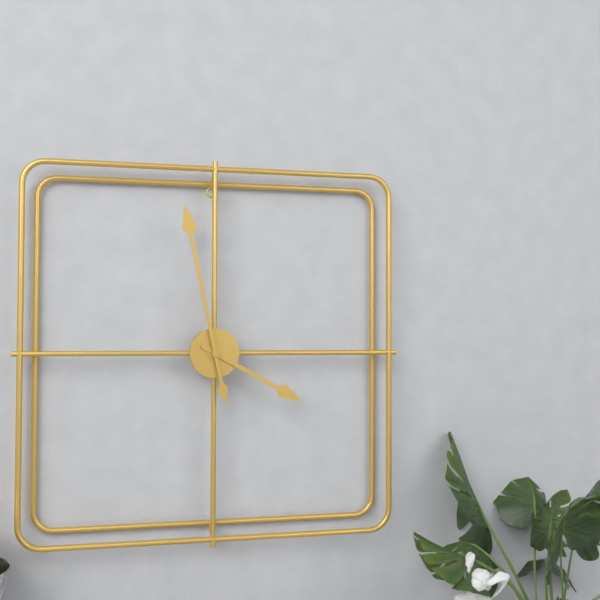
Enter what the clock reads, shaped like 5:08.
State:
3:58
